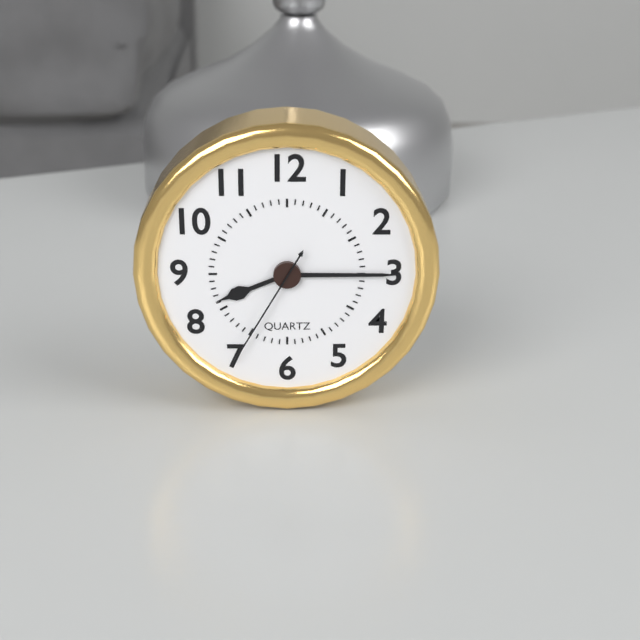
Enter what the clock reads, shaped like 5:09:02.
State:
8:15:35
